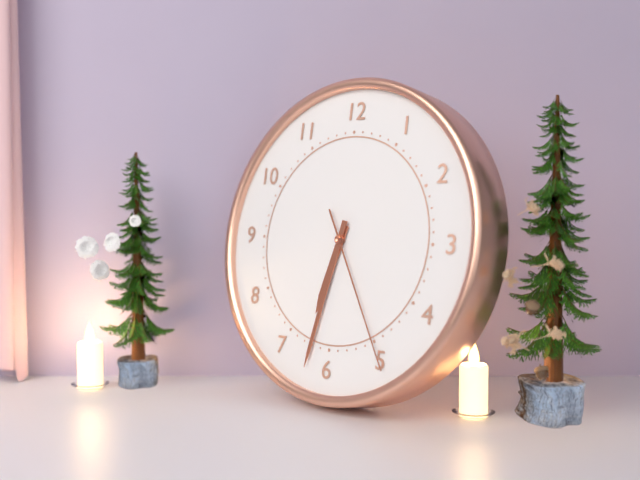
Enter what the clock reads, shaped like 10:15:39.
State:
6:32:25
